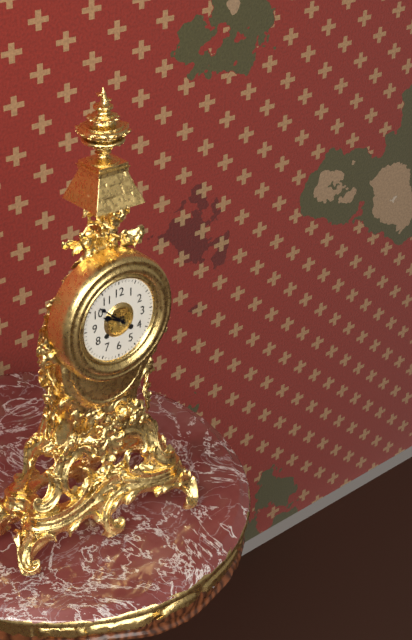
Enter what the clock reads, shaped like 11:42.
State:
9:52
